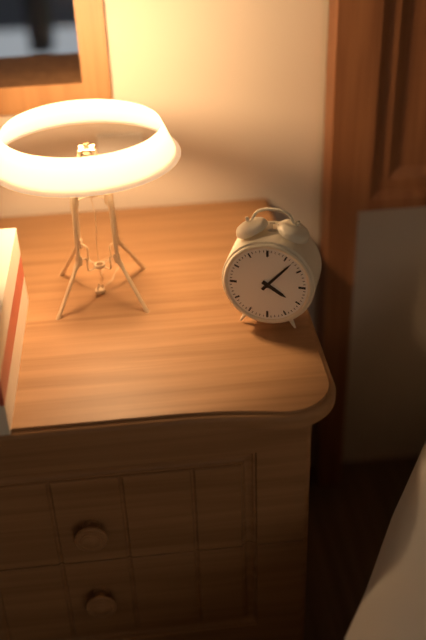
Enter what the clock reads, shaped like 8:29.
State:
4:07
